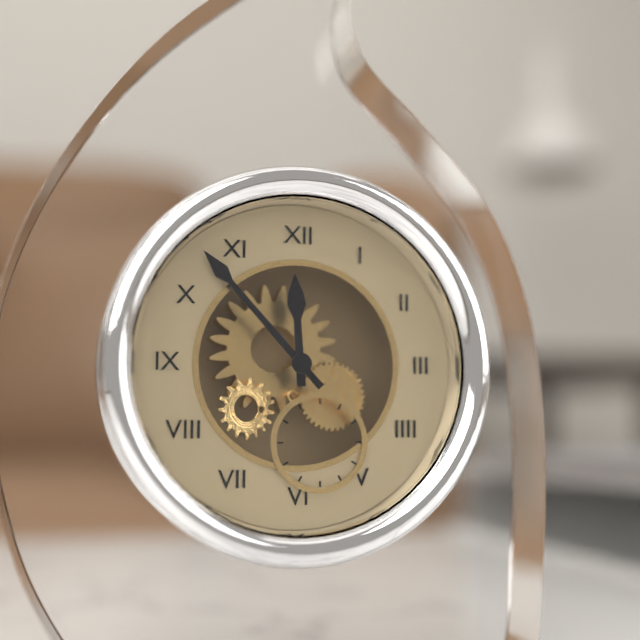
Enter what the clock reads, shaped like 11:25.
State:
11:53
